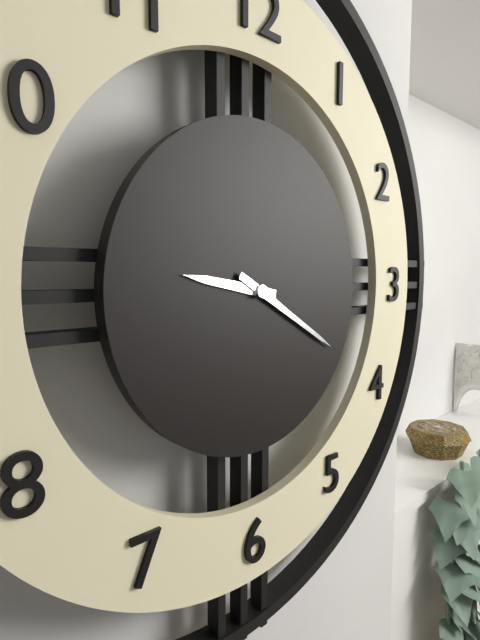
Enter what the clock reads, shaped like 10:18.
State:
9:20
